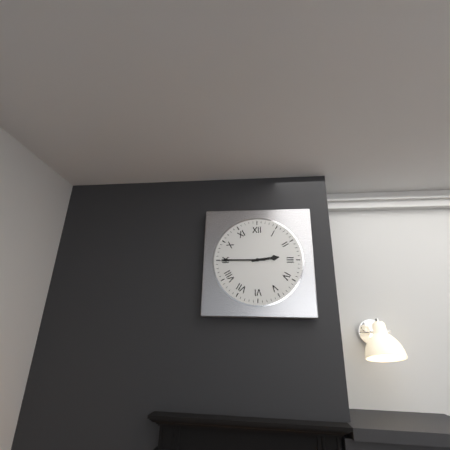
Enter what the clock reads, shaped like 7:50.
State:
2:45
